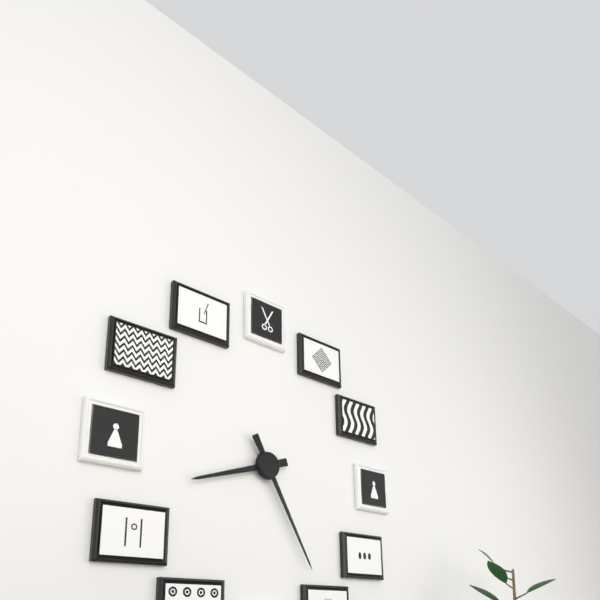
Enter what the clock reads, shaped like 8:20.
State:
8:25
